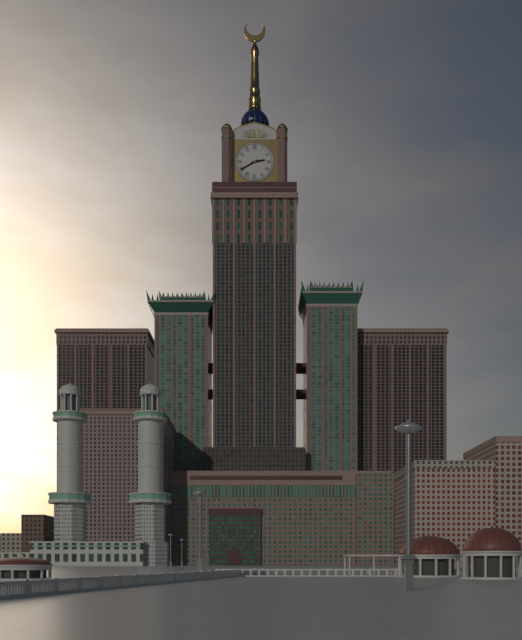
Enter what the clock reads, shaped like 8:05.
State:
2:40
